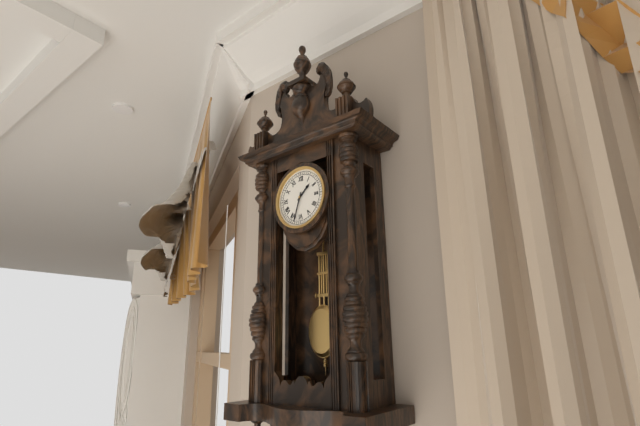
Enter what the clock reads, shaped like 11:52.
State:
1:33
